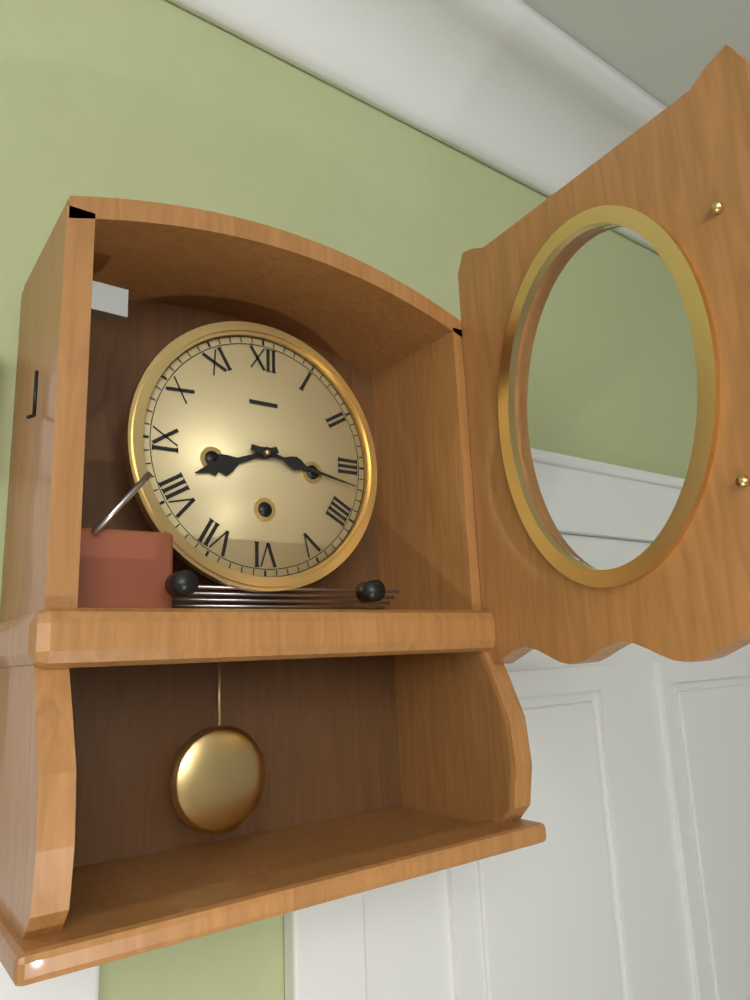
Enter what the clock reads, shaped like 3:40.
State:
8:17
